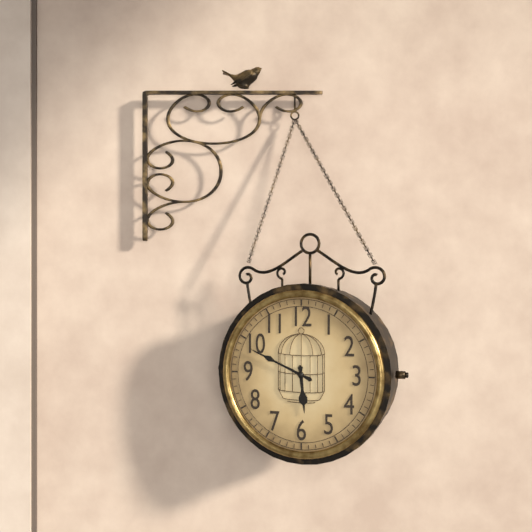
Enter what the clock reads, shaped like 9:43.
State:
5:49
